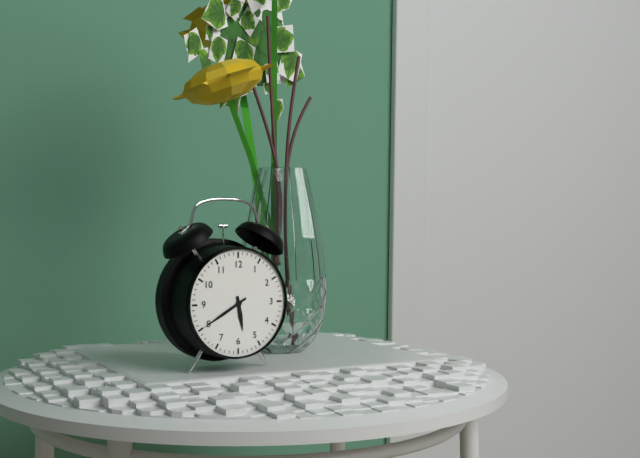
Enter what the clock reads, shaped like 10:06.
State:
5:40
